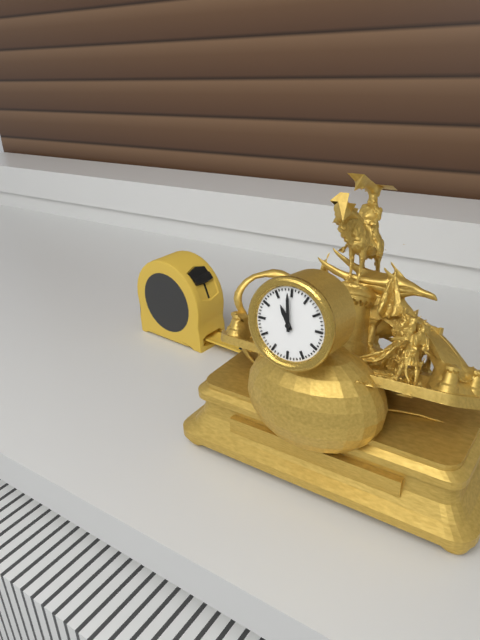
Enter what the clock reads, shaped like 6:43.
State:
10:59
